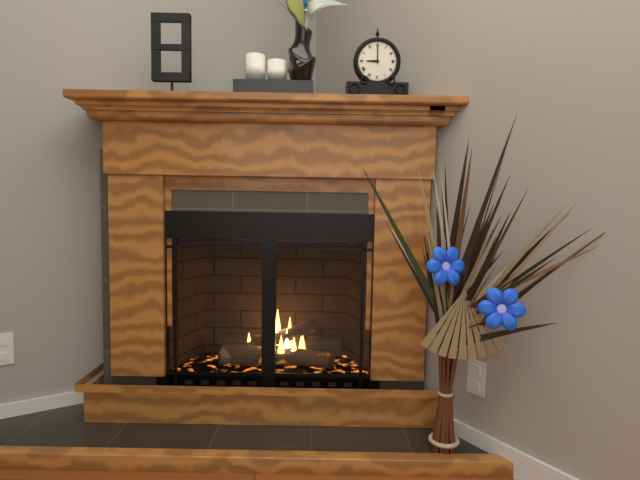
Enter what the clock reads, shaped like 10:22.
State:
9:00
